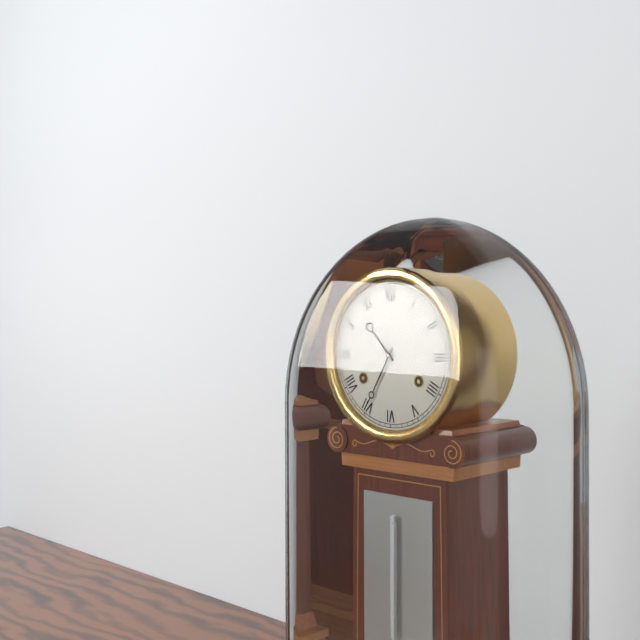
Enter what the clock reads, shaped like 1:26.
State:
10:35
